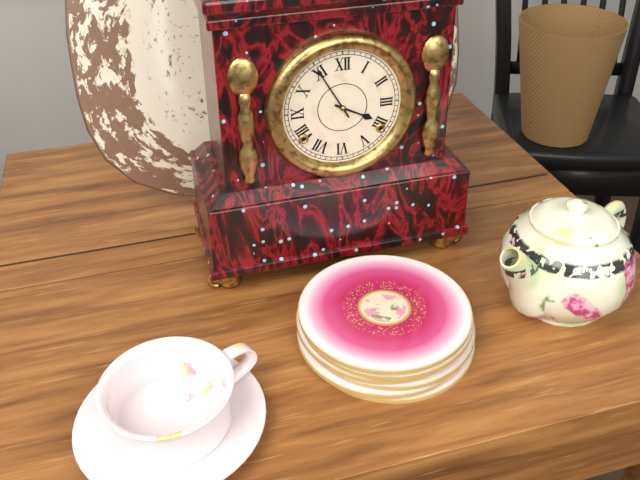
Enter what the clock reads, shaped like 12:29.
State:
3:55
